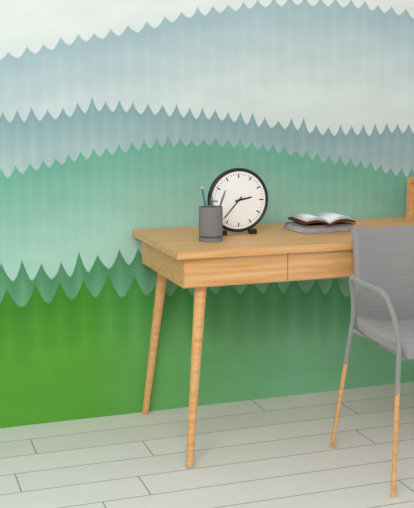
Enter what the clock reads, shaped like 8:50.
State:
2:37
